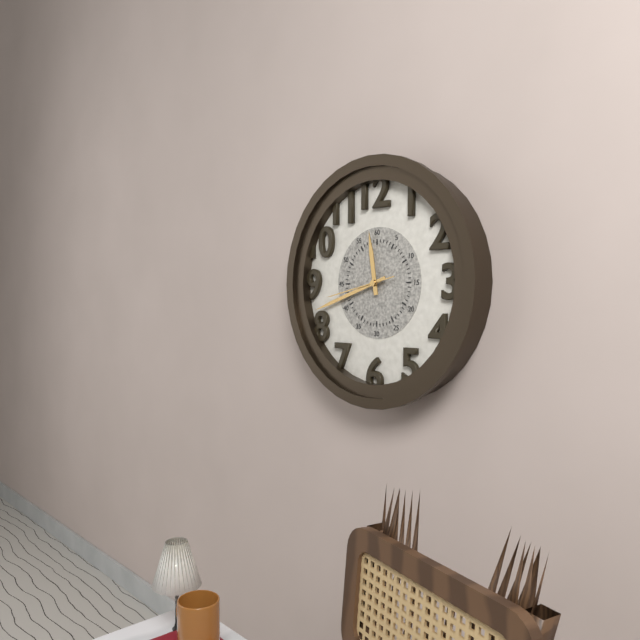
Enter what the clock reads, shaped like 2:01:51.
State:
11:42:43
